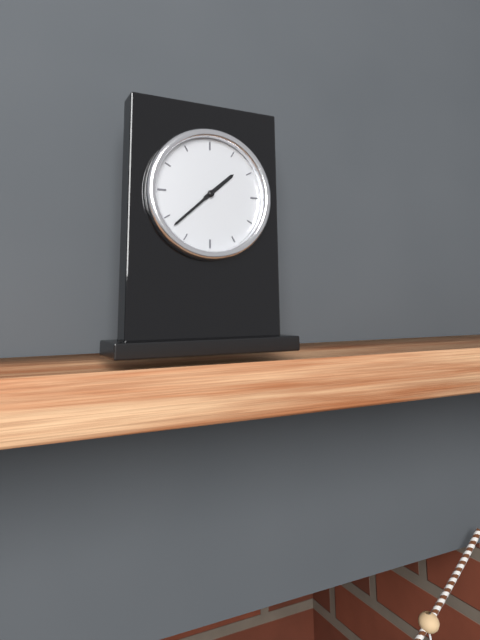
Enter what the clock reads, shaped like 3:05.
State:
1:38
